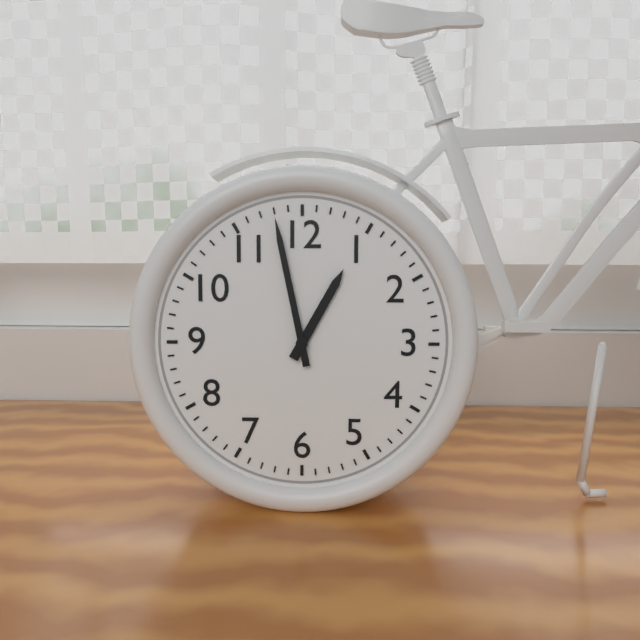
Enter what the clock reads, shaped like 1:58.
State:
12:58
